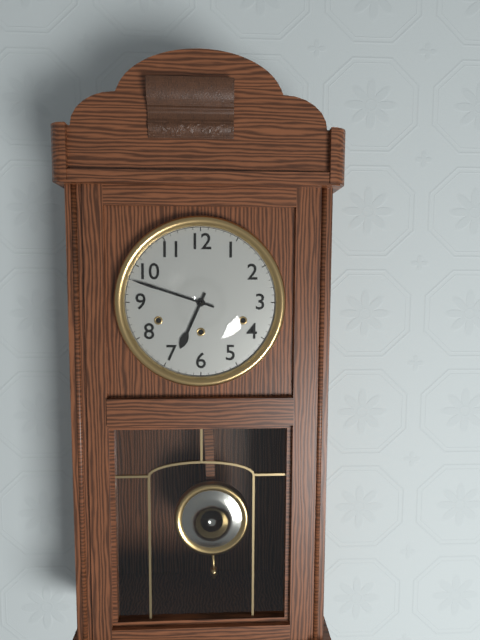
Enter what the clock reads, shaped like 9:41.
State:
6:48
